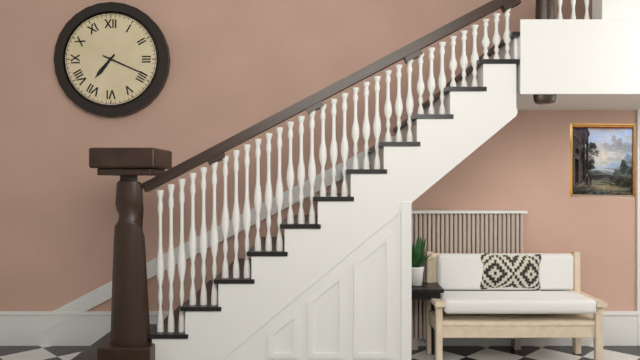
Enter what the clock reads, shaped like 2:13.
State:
7:19
